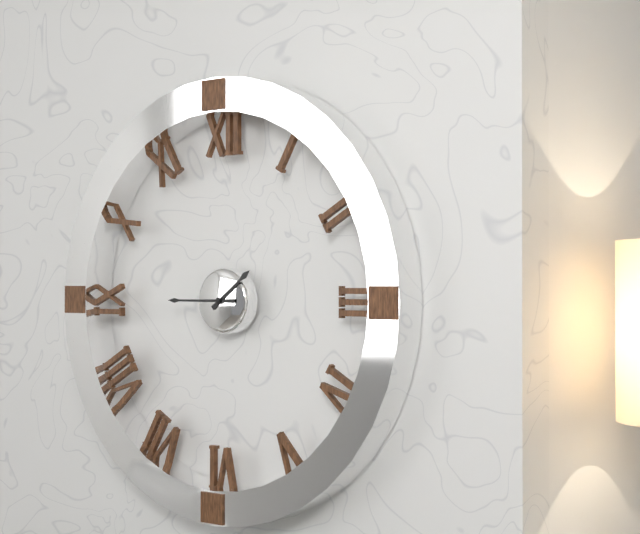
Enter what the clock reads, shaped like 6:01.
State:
1:45
